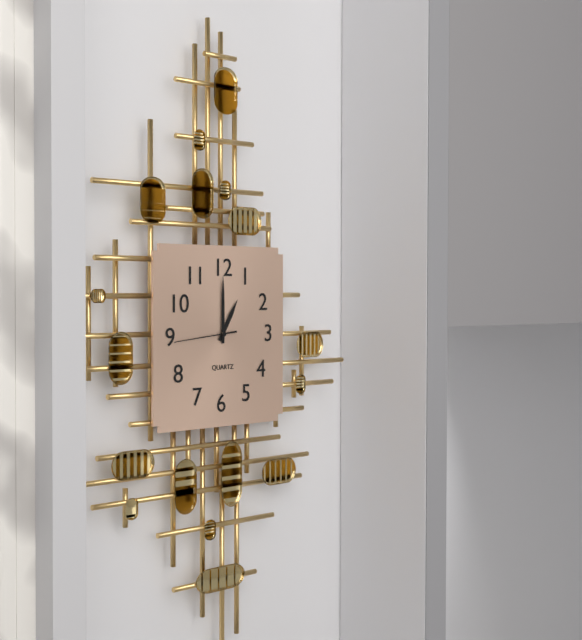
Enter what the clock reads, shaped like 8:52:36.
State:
1:00:44
